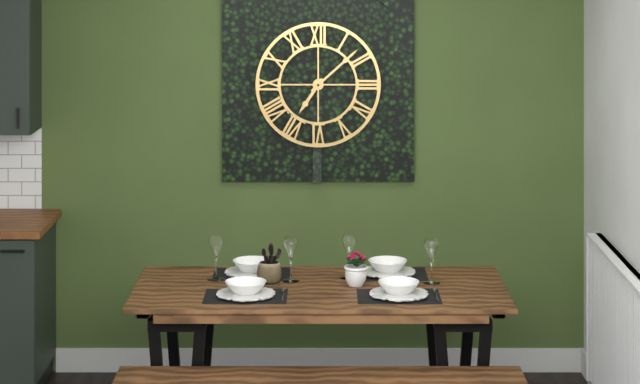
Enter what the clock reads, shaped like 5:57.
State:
7:08
